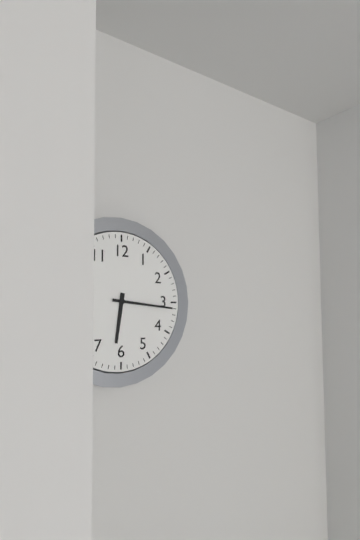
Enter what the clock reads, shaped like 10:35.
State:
6:16
